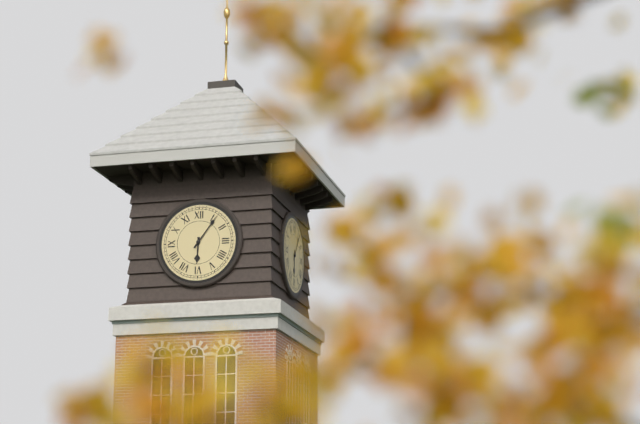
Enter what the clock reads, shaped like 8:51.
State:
6:06
